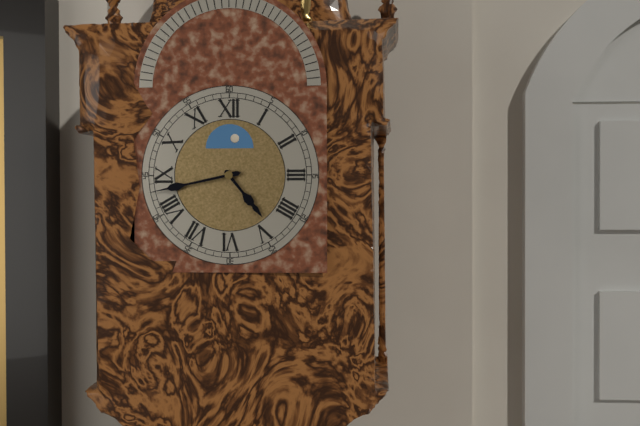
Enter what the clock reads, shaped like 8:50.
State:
4:43
